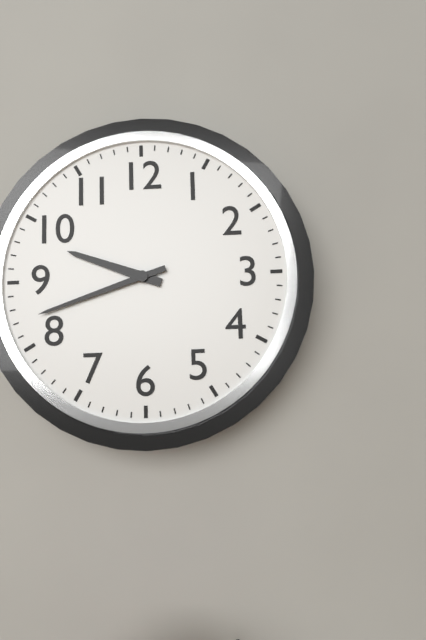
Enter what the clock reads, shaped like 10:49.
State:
9:42
